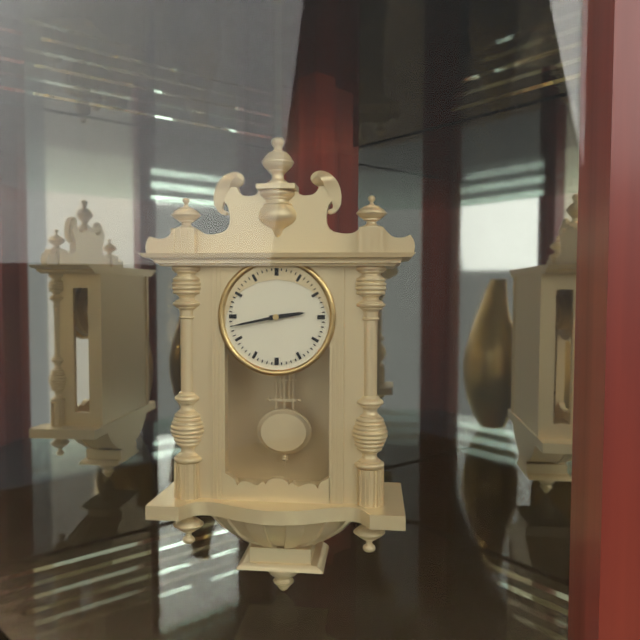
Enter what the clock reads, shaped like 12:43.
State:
2:43
